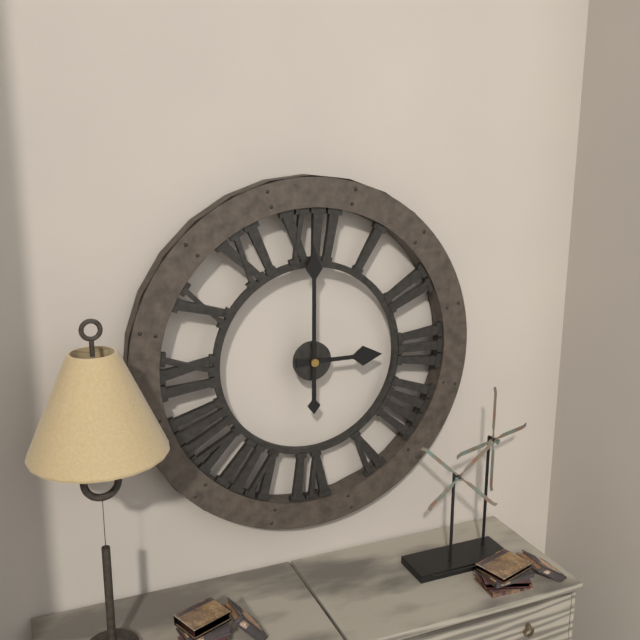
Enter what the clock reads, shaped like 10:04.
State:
3:00
